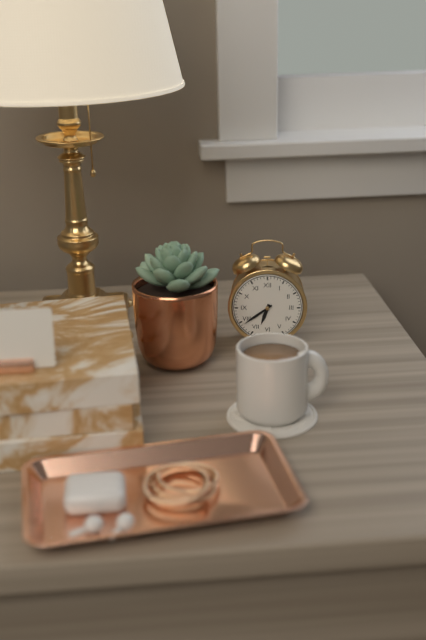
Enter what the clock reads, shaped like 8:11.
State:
6:39
